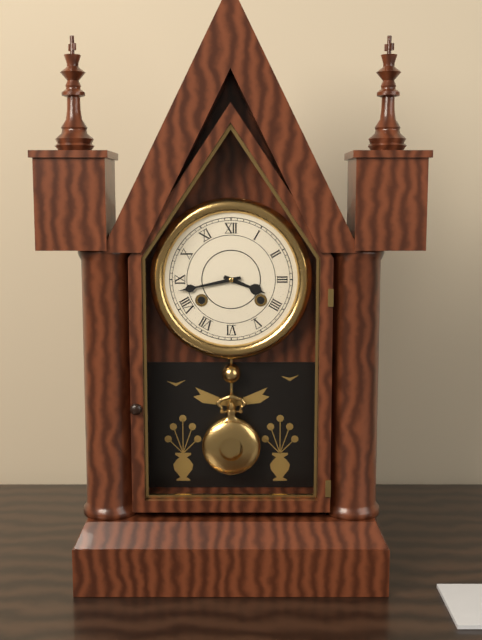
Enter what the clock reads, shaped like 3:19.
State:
3:43
